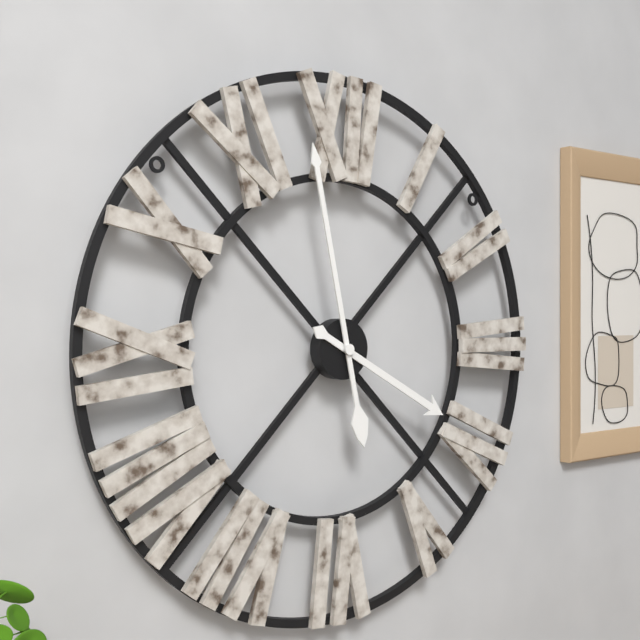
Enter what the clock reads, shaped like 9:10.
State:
3:58
